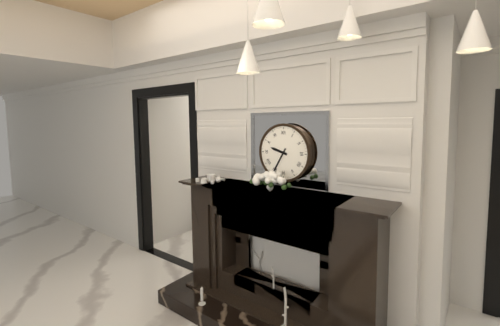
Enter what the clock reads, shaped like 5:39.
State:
9:35
